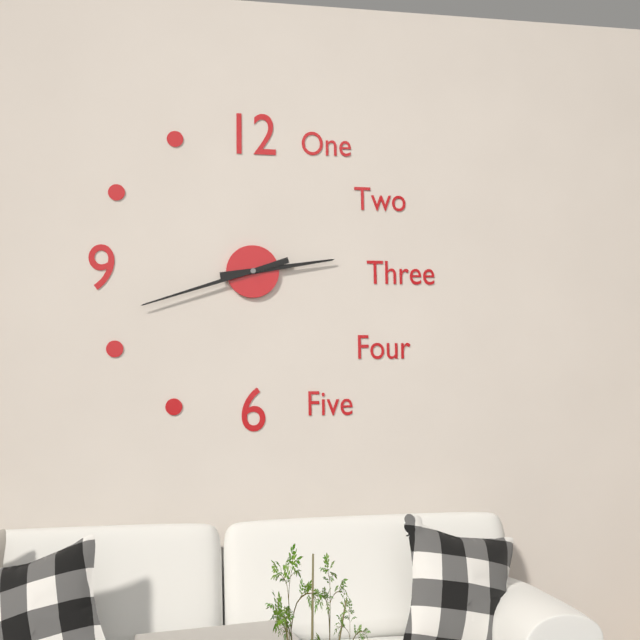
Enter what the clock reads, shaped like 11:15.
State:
2:42
